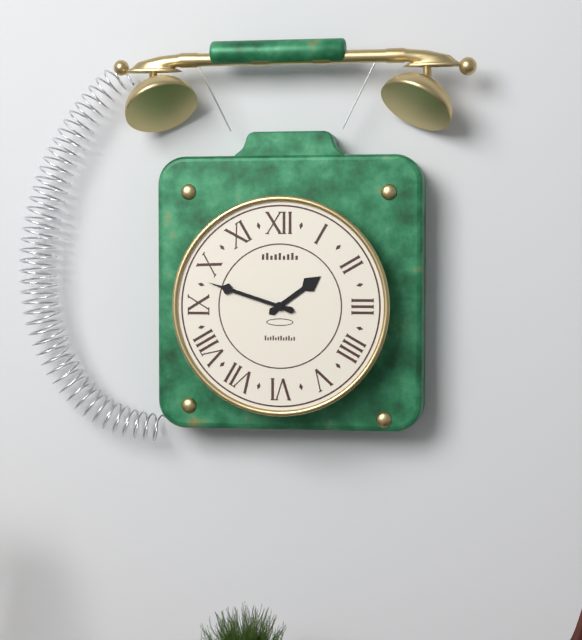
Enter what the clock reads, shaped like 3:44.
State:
1:48
